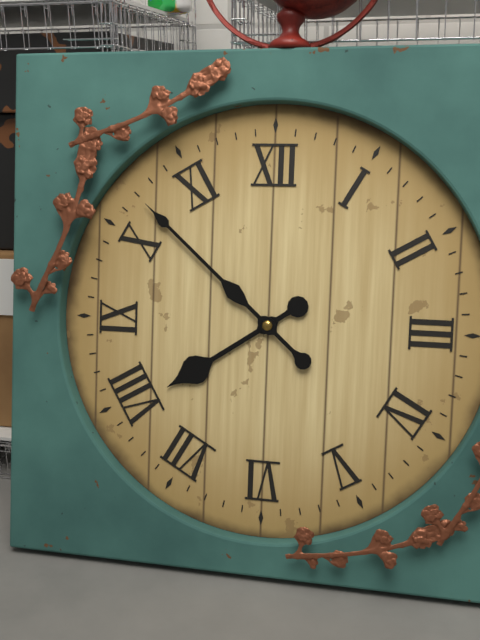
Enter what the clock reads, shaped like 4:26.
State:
7:52
